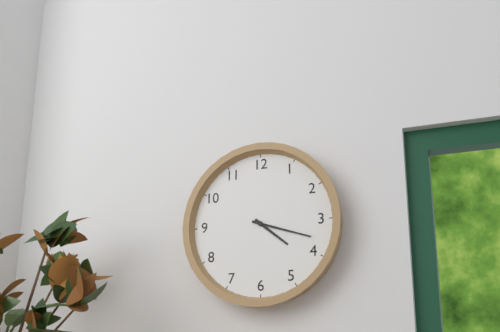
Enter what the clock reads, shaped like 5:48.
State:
4:18
